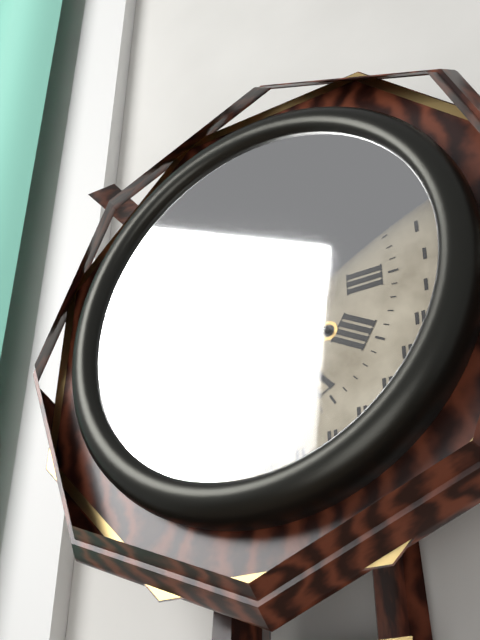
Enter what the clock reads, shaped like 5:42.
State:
8:58
